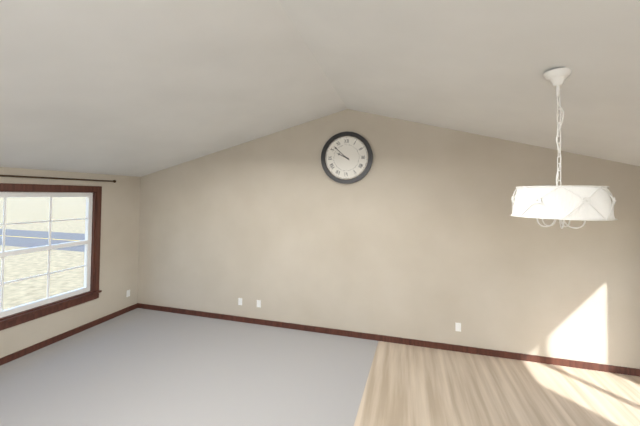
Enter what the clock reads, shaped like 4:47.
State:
9:52
